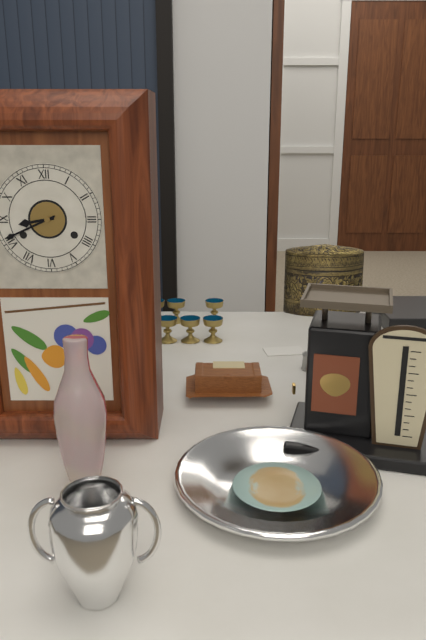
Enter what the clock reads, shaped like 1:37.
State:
8:41
